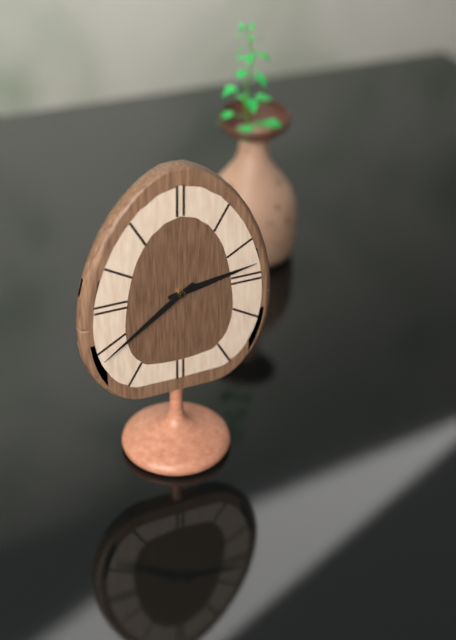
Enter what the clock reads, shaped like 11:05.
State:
2:39
